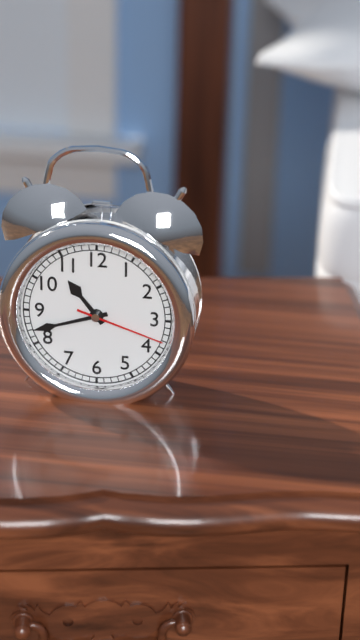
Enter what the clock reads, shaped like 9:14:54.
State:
10:42:18
